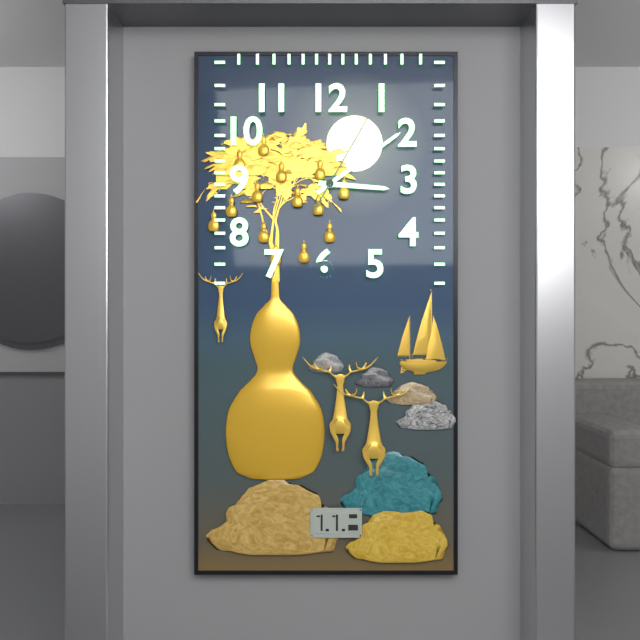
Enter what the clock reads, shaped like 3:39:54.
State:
3:09:05
